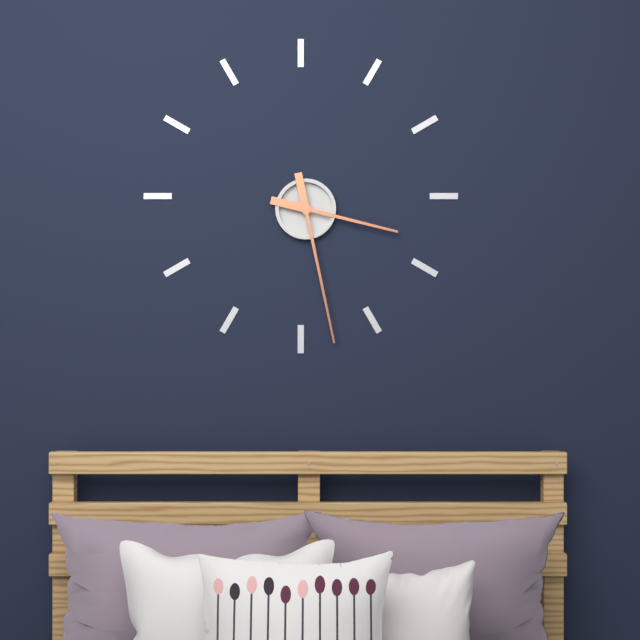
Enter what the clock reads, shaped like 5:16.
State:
3:28
